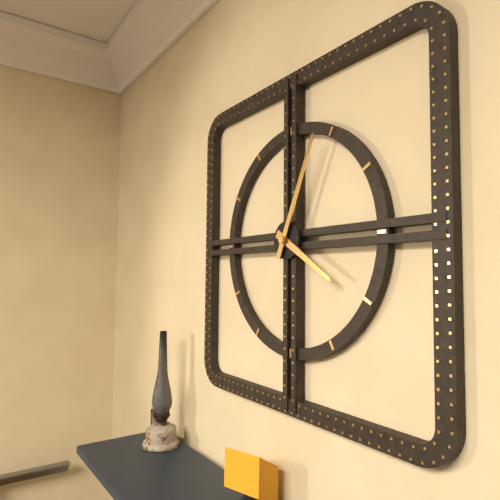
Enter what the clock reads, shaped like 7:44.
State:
4:04
